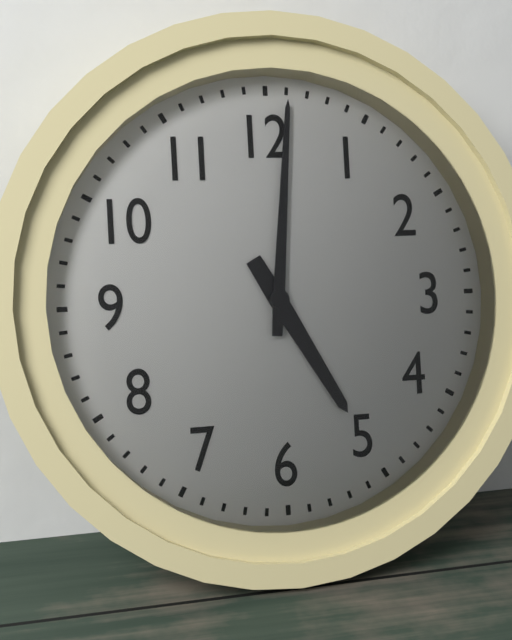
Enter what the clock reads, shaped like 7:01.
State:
5:01
